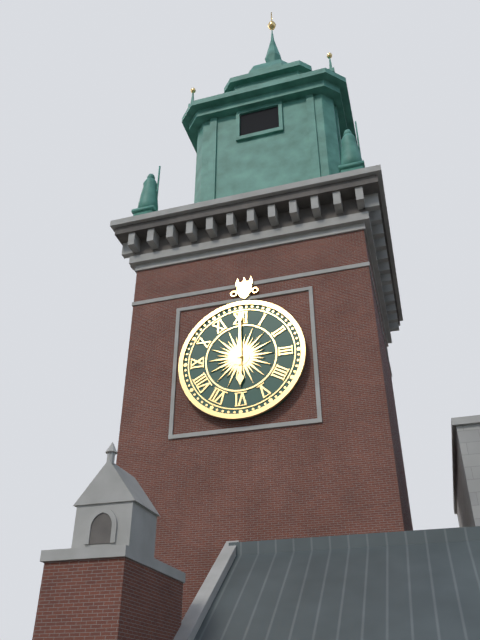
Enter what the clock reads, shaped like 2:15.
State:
6:00
